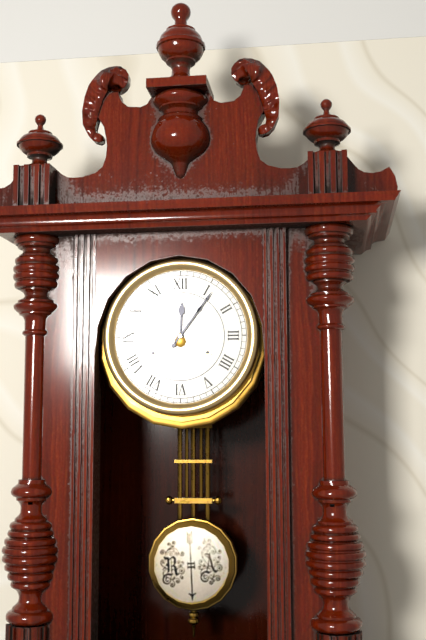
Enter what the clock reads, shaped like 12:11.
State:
12:06
